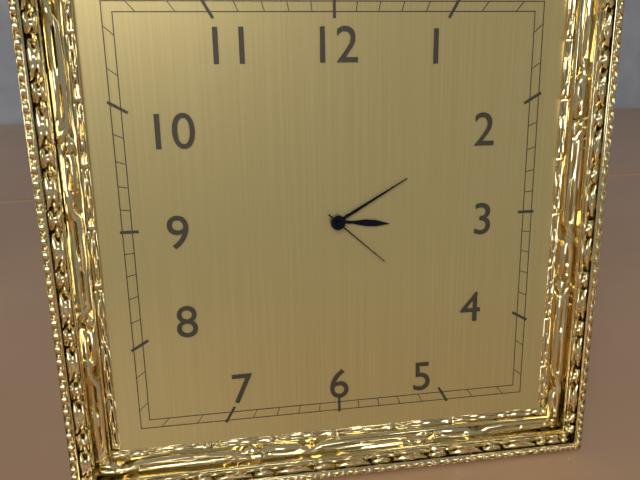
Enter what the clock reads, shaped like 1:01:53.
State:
3:10:22
